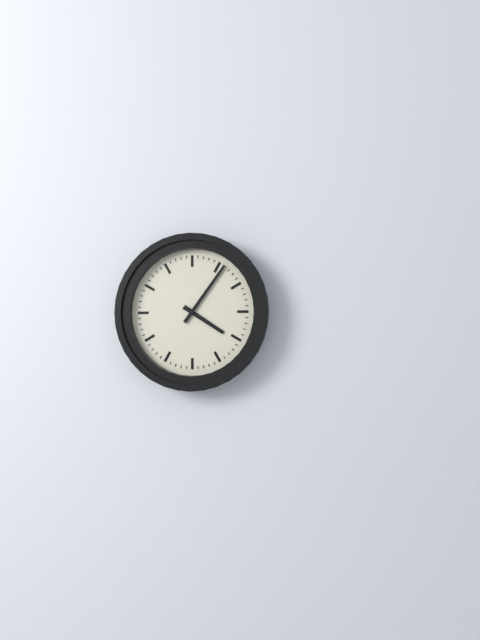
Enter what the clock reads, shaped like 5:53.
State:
4:06
